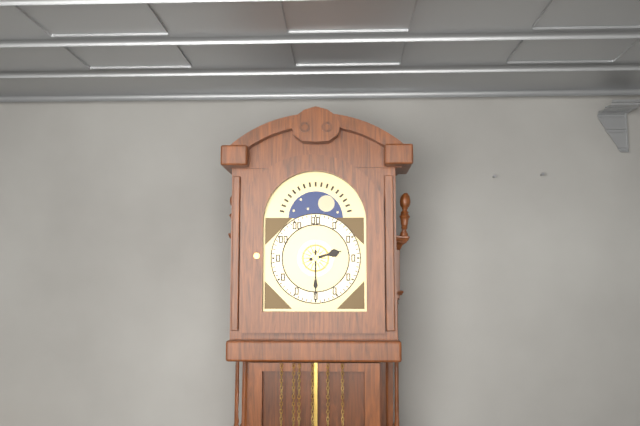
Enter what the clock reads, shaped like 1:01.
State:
2:30
